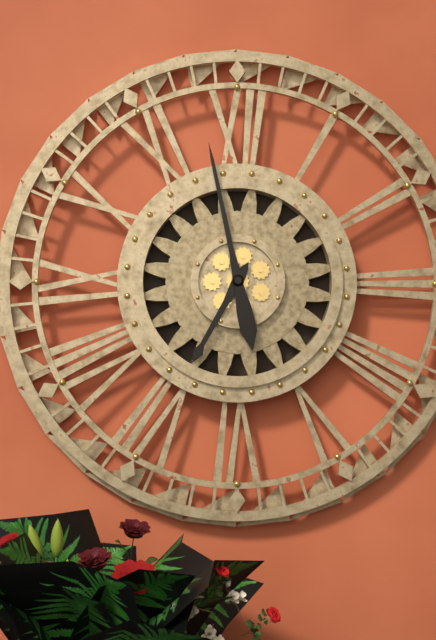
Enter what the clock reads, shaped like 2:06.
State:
6:58
